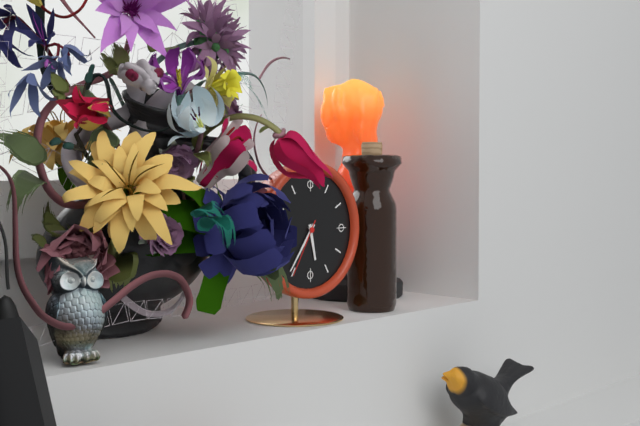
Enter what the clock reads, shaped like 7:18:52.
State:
5:36:35
